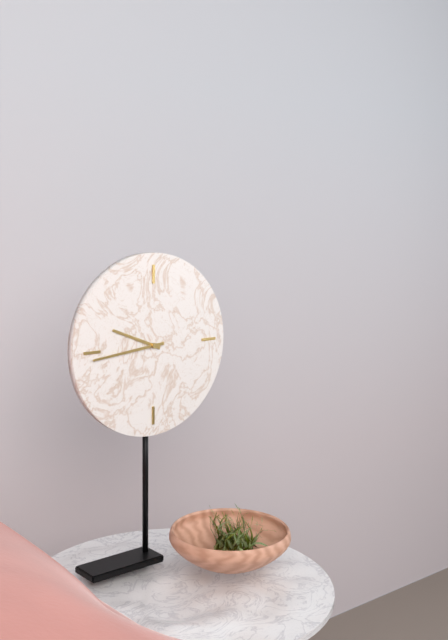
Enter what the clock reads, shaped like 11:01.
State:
9:44
